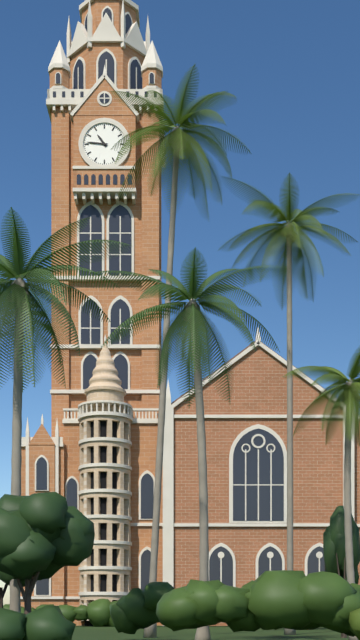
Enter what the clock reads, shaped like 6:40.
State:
10:46
